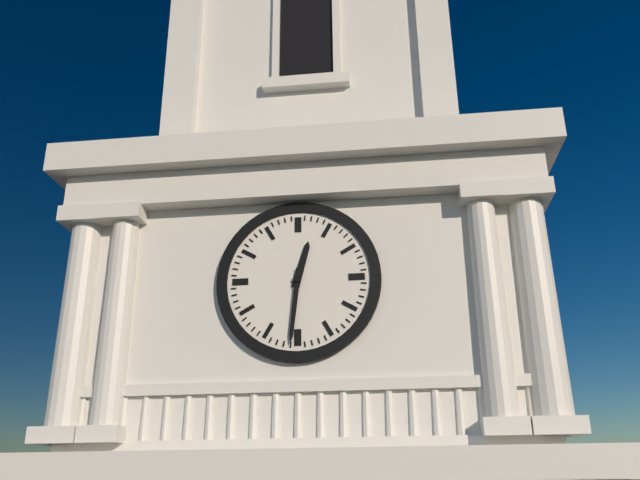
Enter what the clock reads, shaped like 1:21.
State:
12:31
